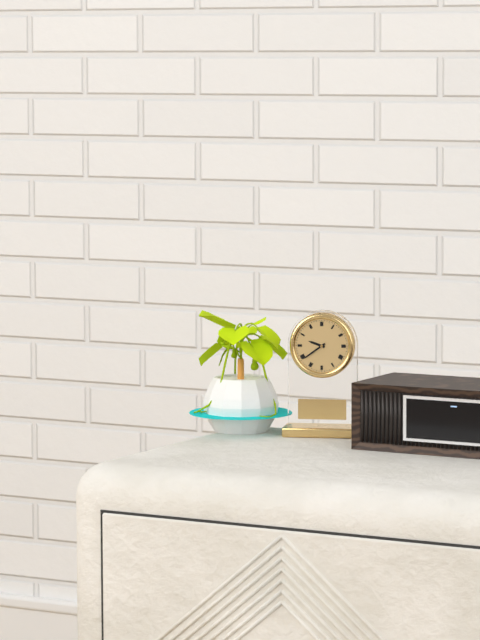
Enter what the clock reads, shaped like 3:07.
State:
9:39
